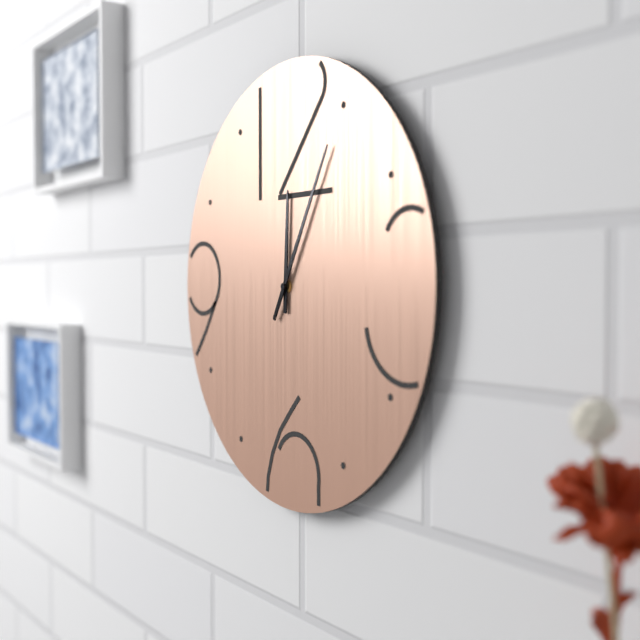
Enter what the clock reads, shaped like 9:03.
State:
12:05
